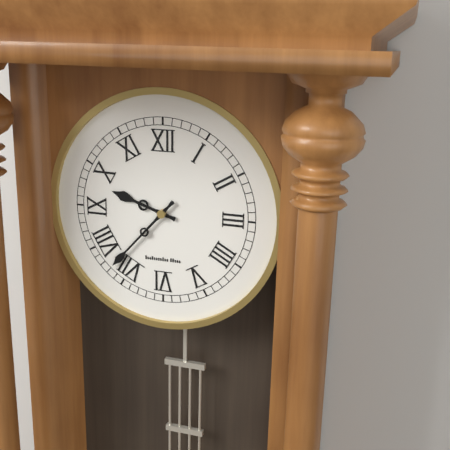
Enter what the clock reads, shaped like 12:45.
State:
9:37
